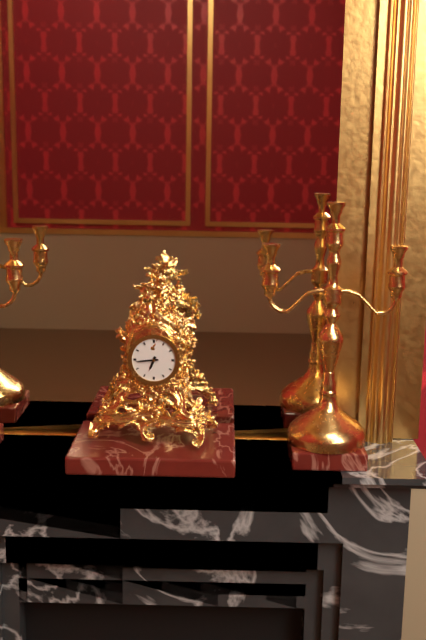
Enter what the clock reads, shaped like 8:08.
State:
6:44
